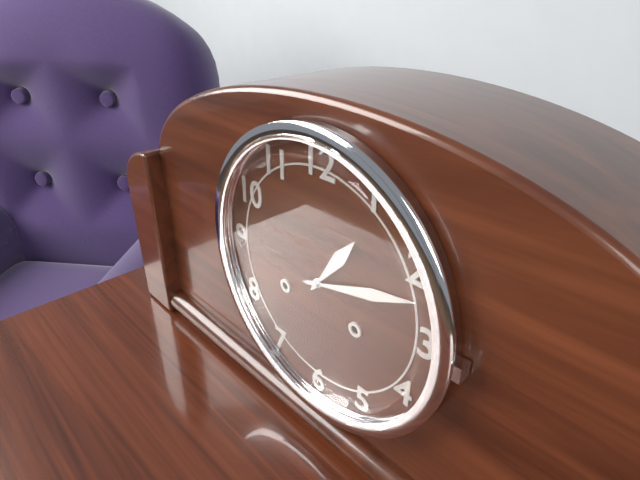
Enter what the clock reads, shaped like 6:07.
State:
1:12
